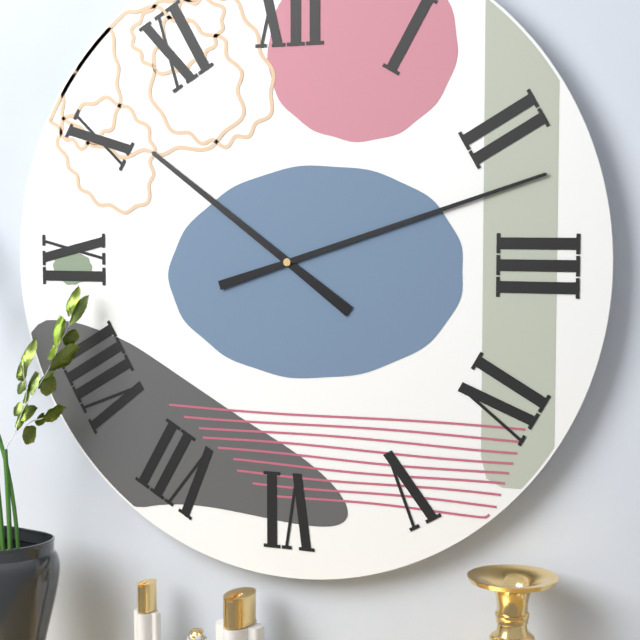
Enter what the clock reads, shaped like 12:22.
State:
10:12
